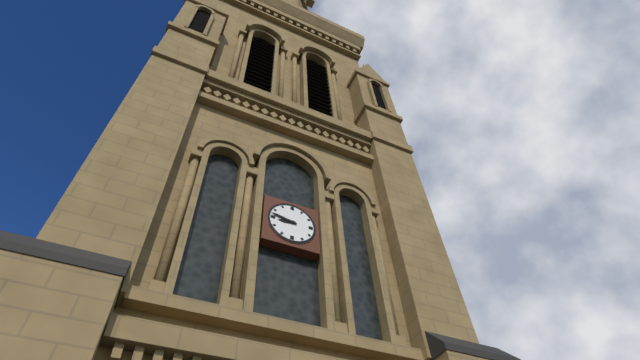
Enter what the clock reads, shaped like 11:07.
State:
8:47
